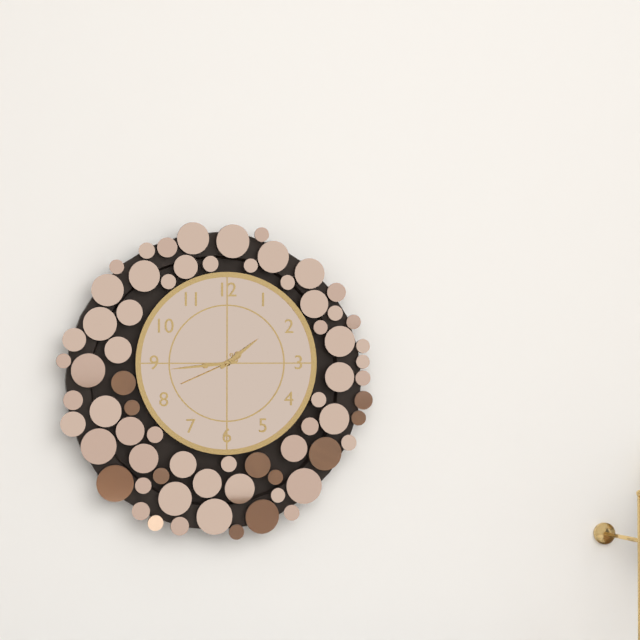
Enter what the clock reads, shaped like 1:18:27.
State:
1:44:41
